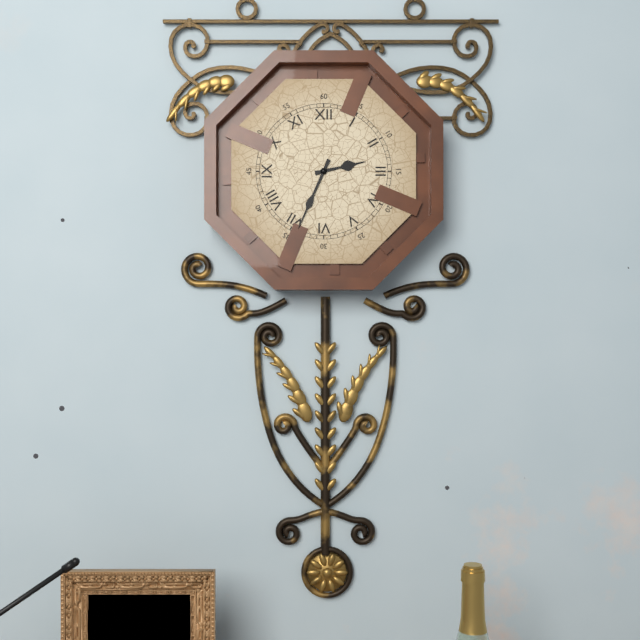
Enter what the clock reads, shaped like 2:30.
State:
2:34
